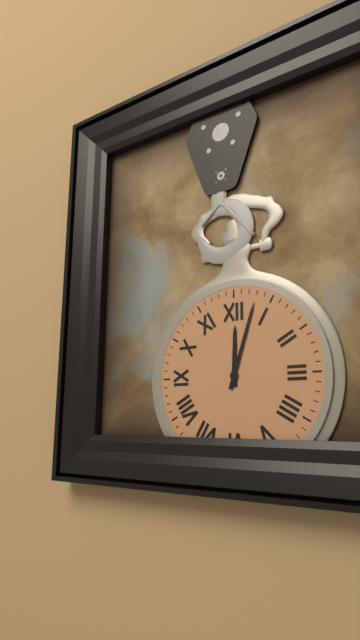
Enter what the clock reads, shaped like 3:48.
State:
12:03
